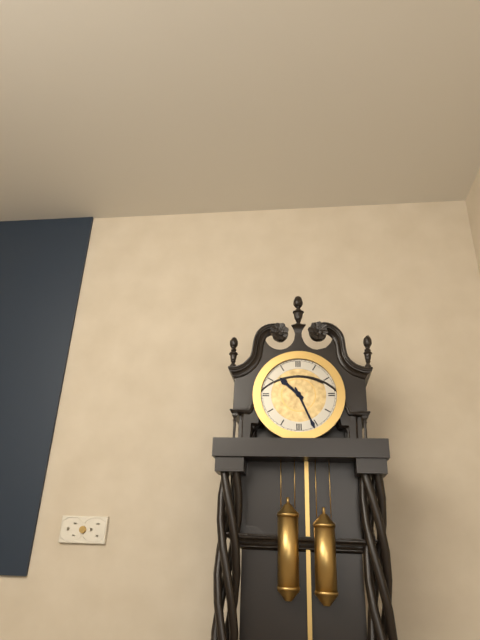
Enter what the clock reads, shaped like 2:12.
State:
10:26
